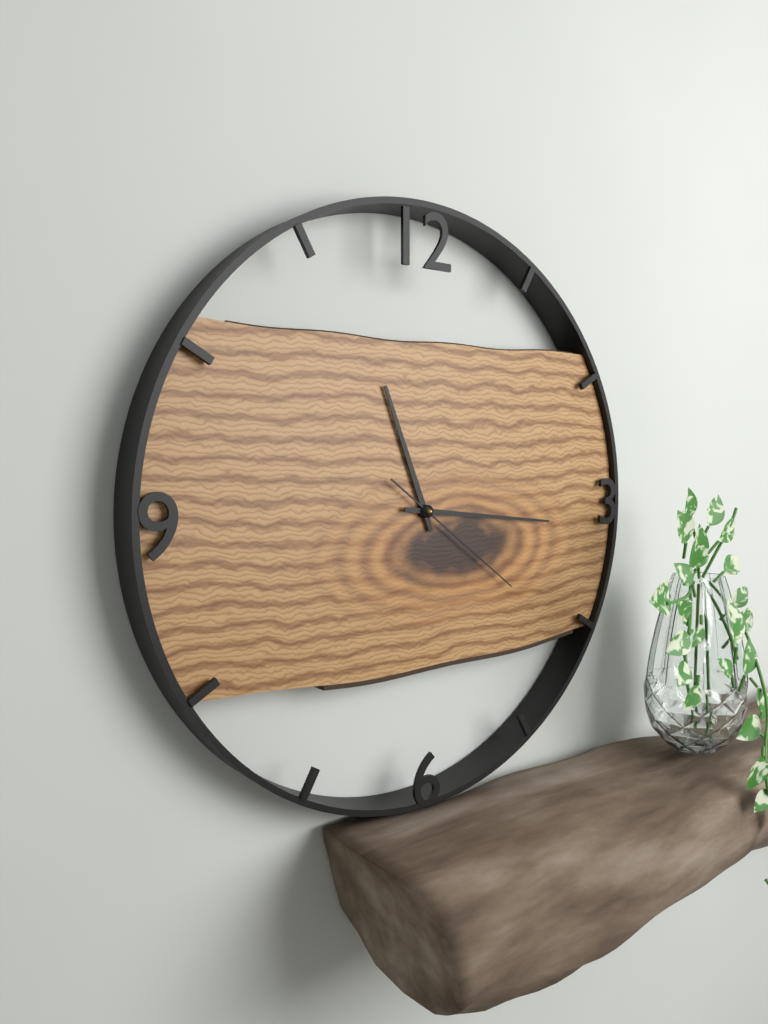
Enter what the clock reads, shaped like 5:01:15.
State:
11:16:21
